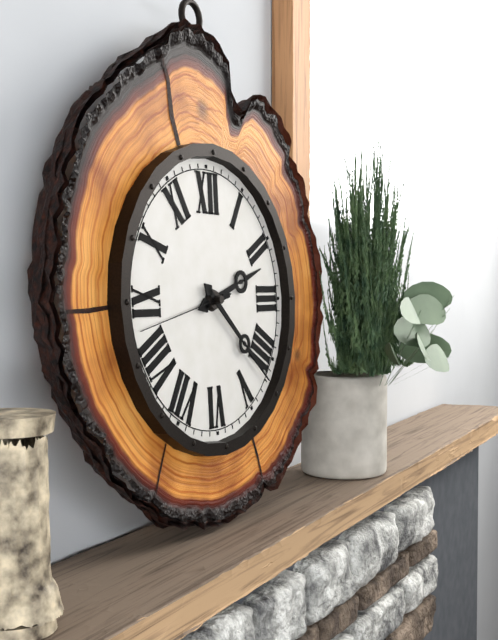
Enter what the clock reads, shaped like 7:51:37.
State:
2:22:43
